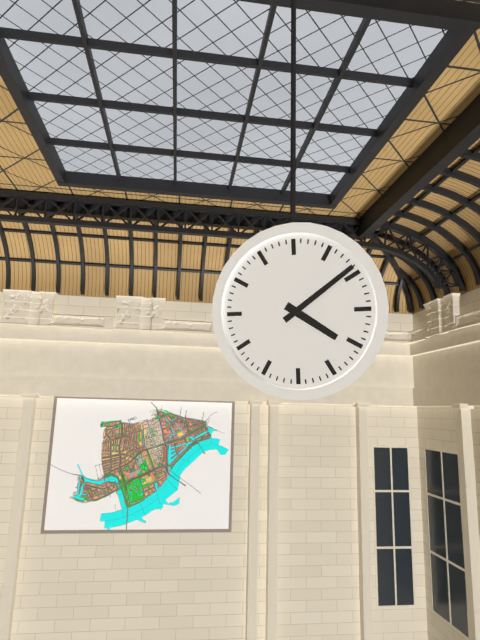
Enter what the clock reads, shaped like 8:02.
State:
4:09
